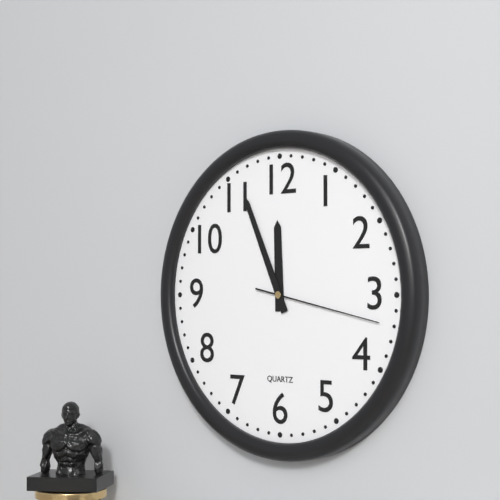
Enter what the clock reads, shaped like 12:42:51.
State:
11:56:17
